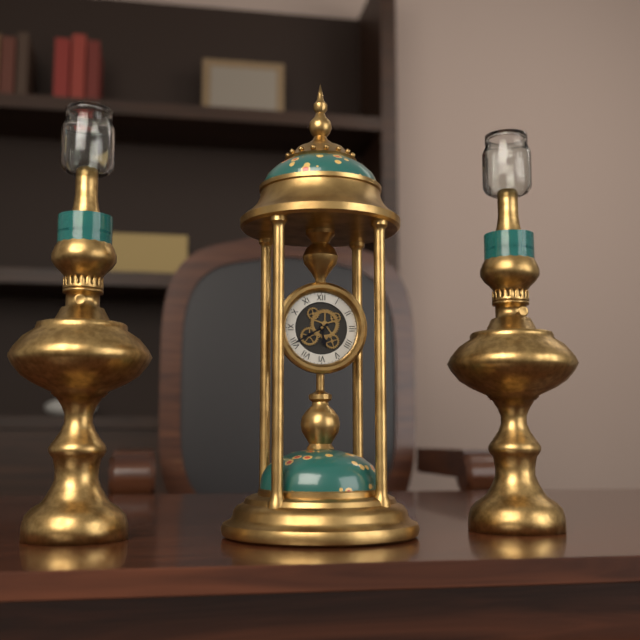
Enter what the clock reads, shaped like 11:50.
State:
5:40
